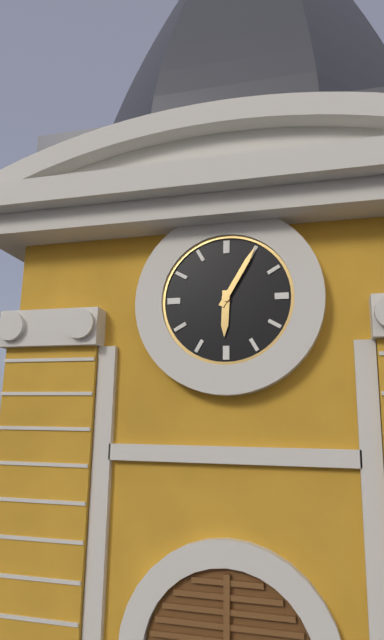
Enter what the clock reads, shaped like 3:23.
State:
6:05
